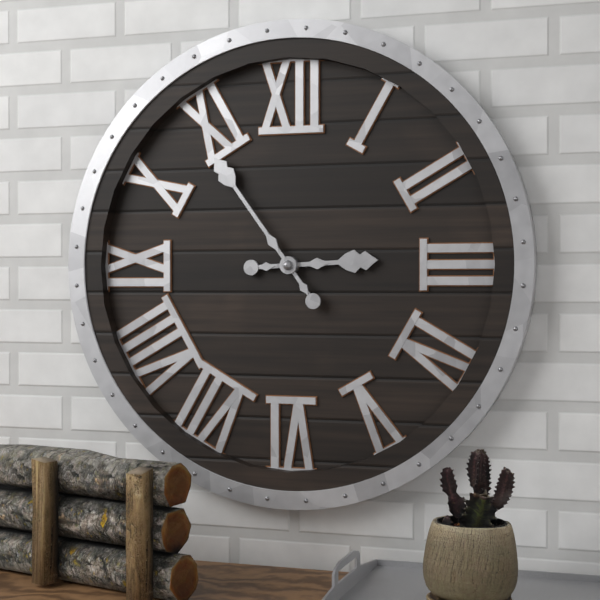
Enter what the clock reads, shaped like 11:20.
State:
2:54
